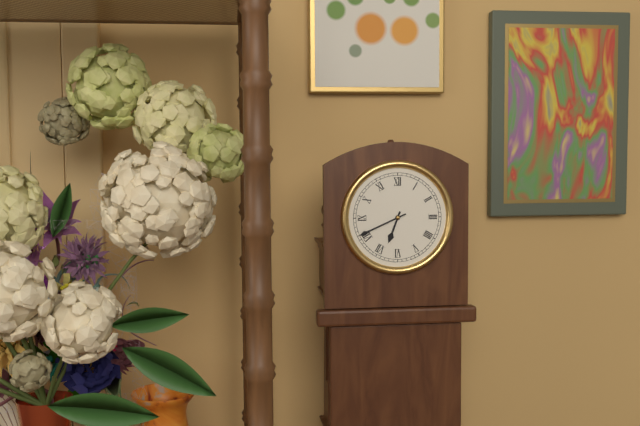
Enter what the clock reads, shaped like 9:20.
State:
6:41
